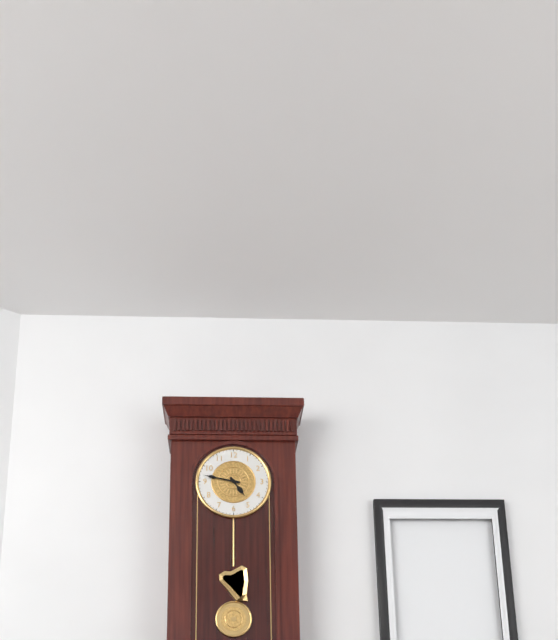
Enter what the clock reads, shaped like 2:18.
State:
4:47
